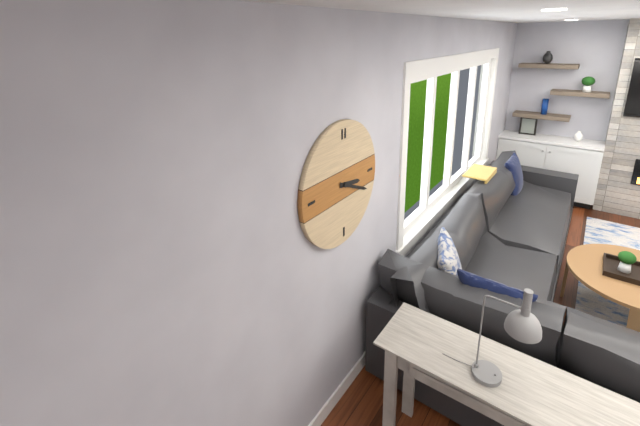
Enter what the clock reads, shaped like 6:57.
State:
3:19
